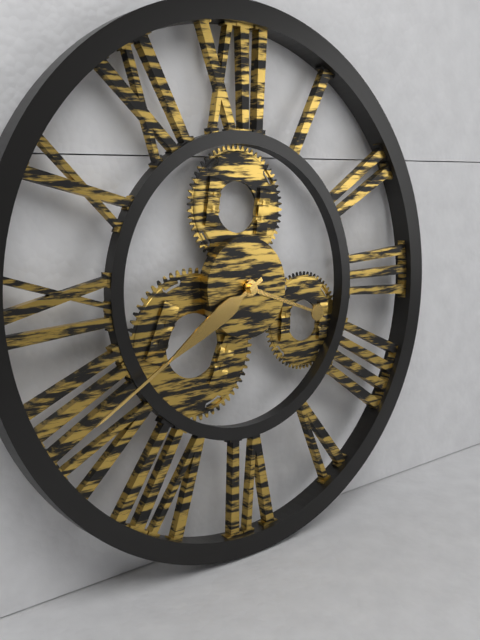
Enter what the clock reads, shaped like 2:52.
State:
3:40
